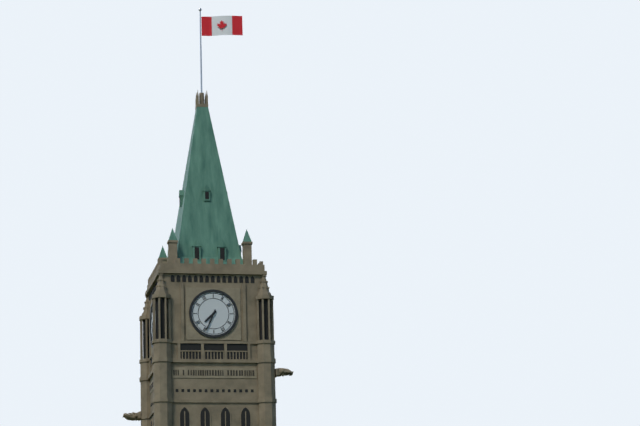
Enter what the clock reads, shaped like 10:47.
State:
7:34
